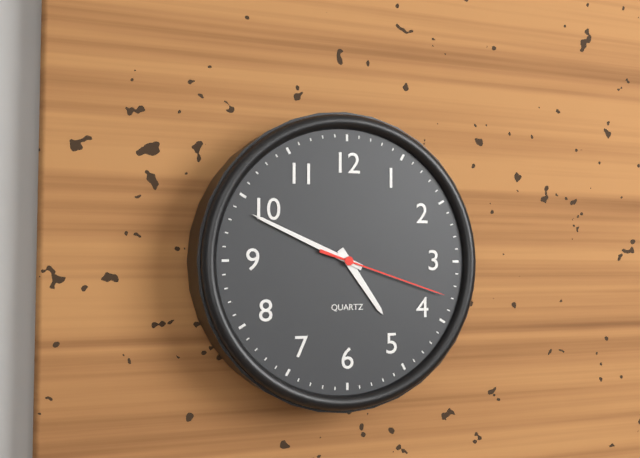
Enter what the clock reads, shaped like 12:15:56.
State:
4:49:18
